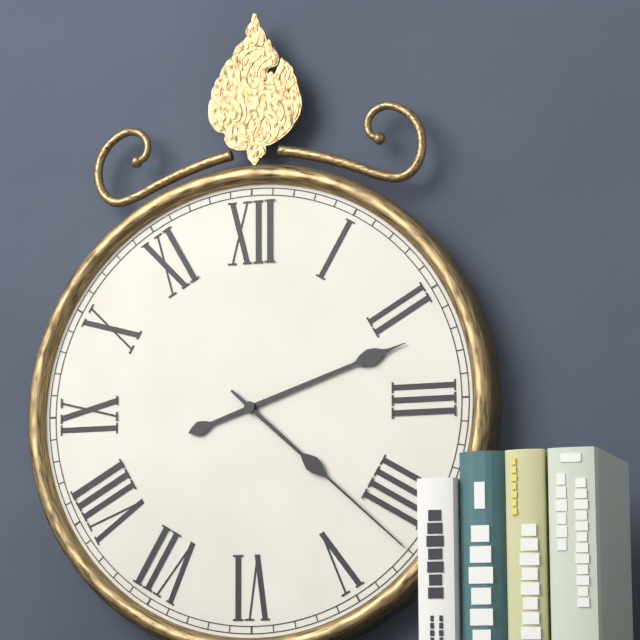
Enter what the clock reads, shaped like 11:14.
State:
2:22
